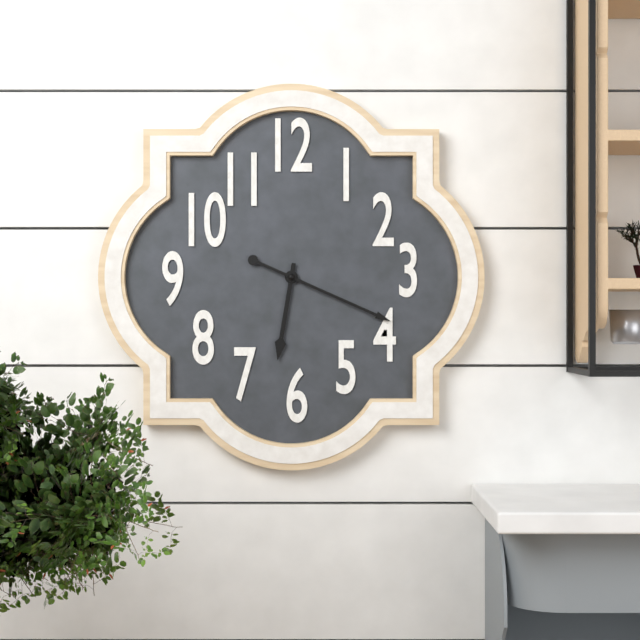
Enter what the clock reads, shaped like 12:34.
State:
6:19
